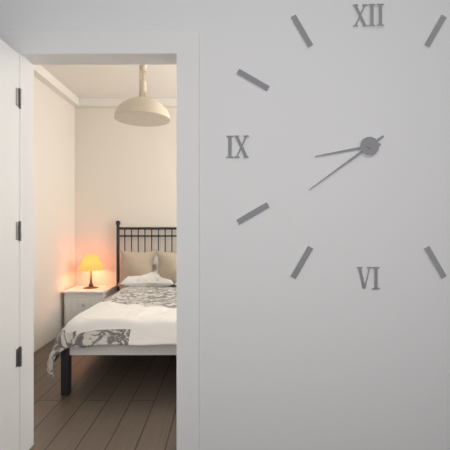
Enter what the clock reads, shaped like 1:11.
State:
8:39
